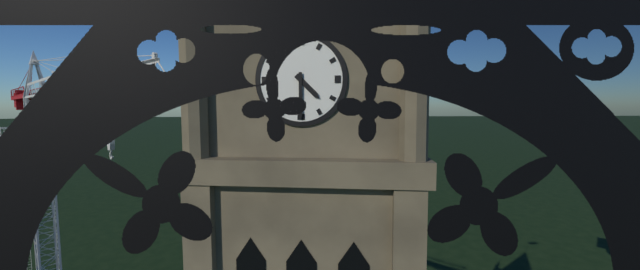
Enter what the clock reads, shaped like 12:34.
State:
4:30
